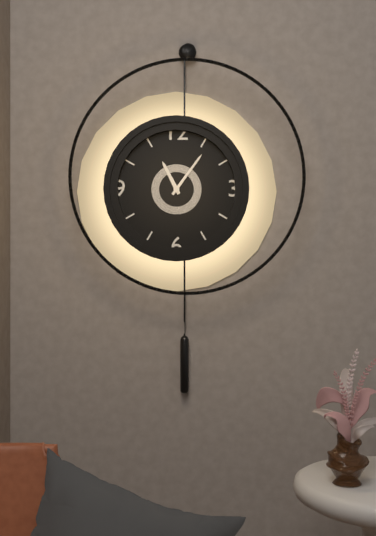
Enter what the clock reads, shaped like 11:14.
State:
11:06
